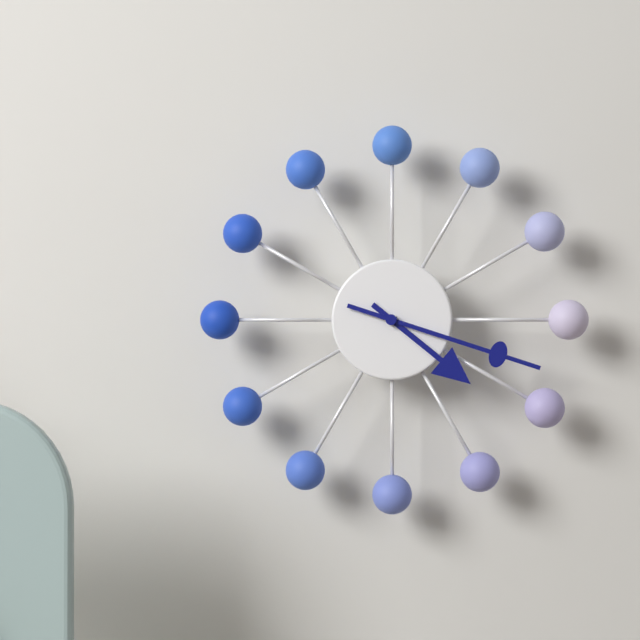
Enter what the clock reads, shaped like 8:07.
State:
4:18
